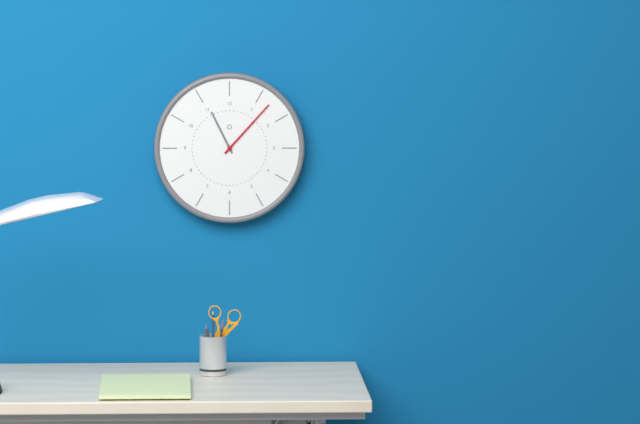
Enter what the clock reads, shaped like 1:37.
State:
11:07
